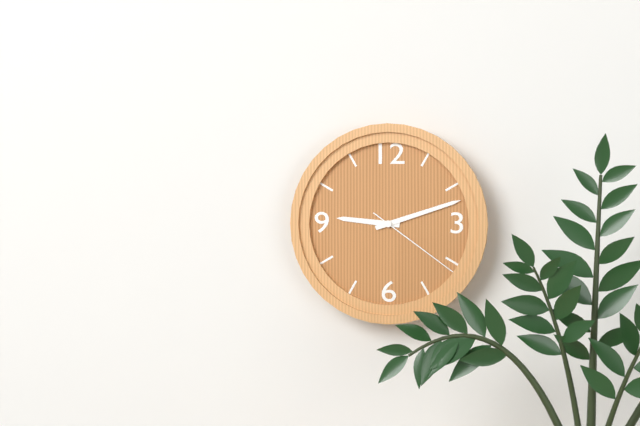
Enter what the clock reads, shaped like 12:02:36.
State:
9:12:21
